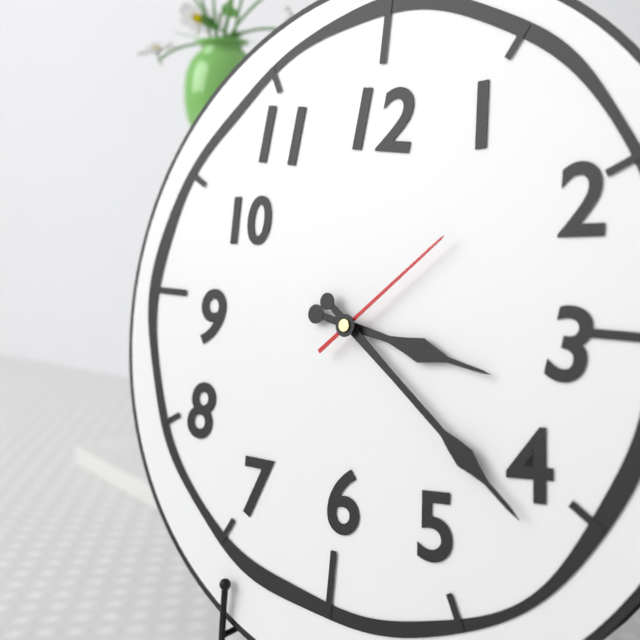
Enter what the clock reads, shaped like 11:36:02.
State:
3:21:08
